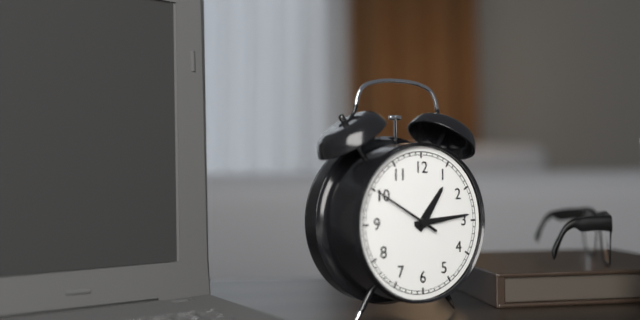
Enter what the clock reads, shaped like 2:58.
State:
1:14
